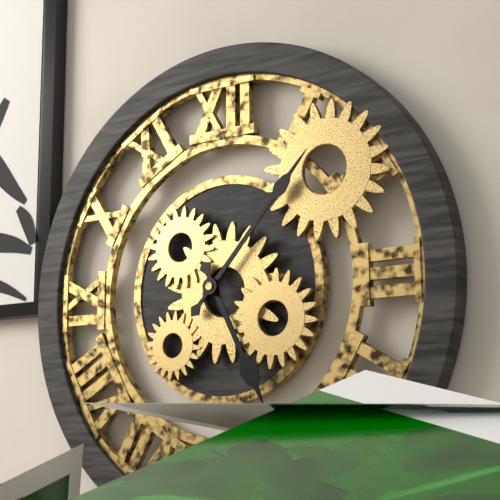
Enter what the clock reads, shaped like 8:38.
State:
5:07
